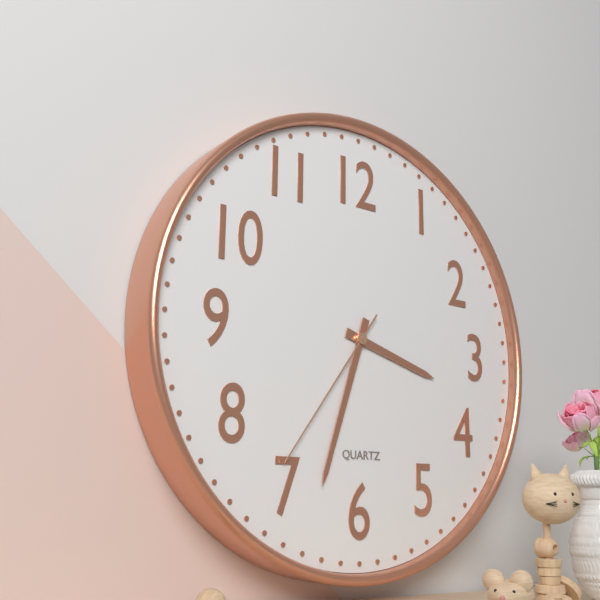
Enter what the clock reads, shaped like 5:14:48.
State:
3:33:36
